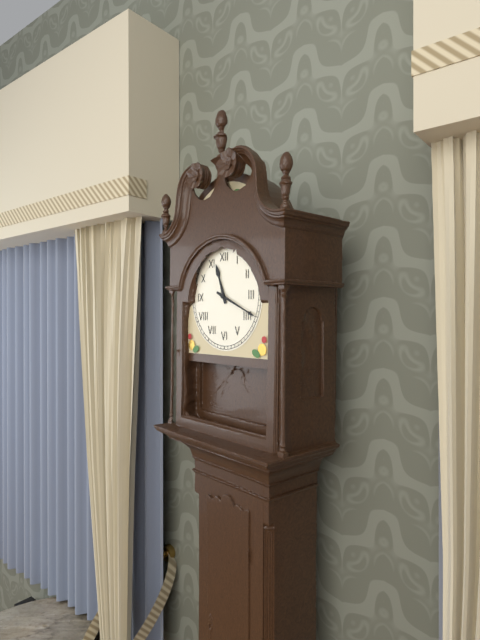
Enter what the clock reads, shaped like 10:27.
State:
11:19
